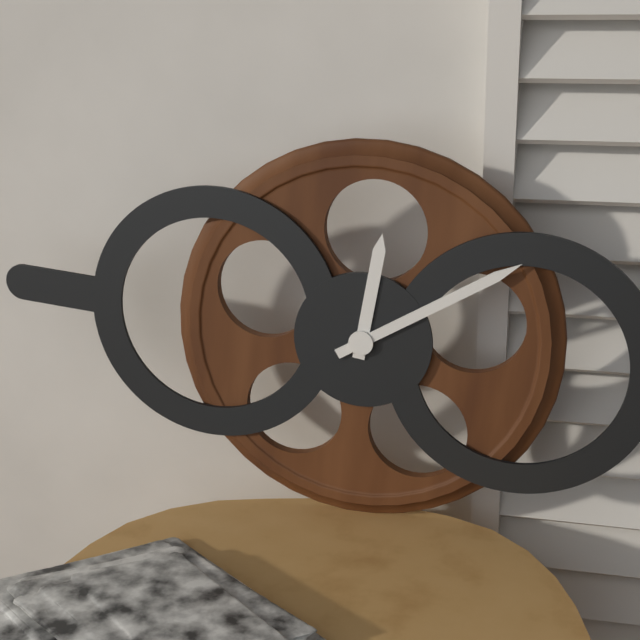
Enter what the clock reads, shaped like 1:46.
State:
12:09
